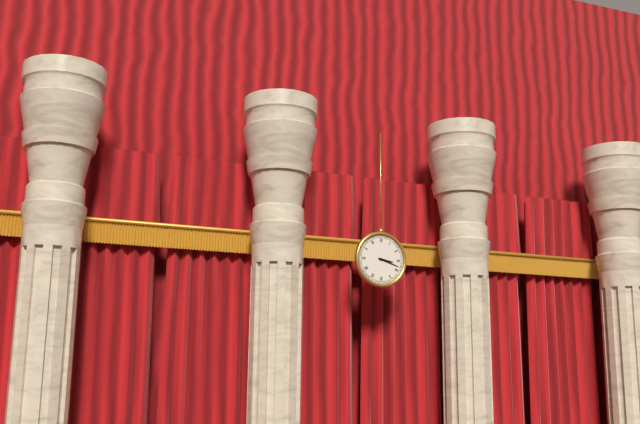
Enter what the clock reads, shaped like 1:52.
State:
3:18
